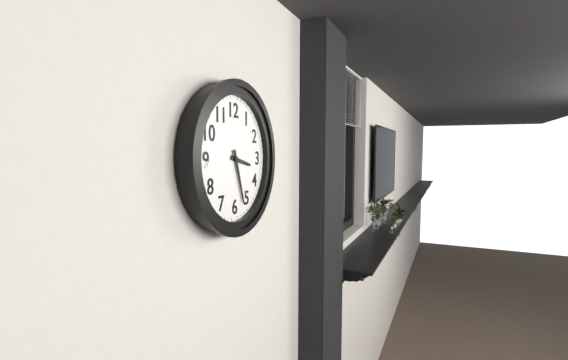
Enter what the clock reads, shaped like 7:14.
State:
3:27
